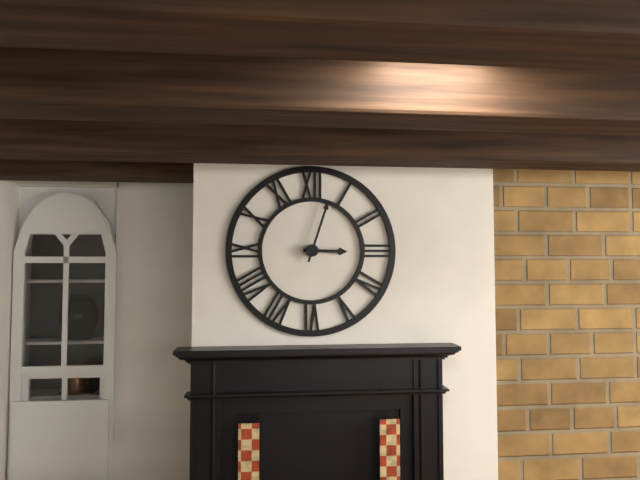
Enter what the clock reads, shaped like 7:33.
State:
3:03
